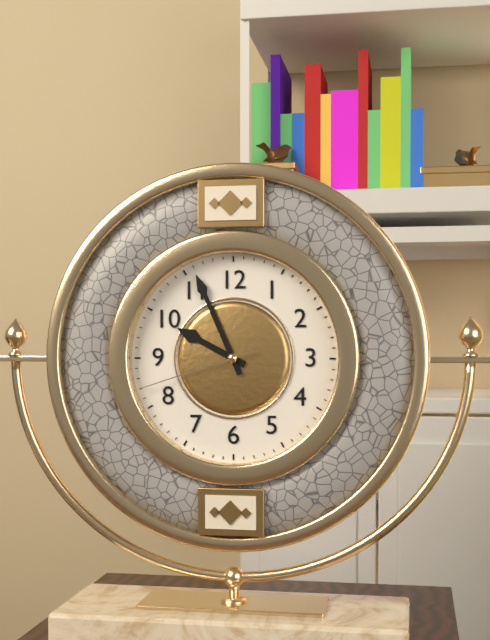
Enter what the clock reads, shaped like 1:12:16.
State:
9:56:42
